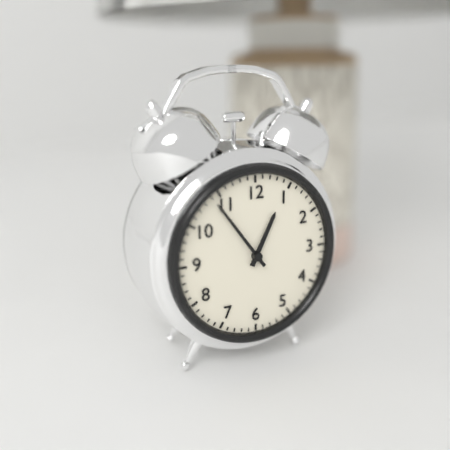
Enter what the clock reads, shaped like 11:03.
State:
12:54
